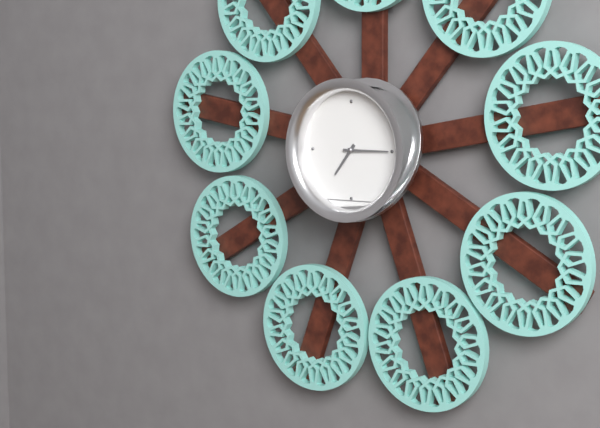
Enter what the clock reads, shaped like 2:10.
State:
7:15
